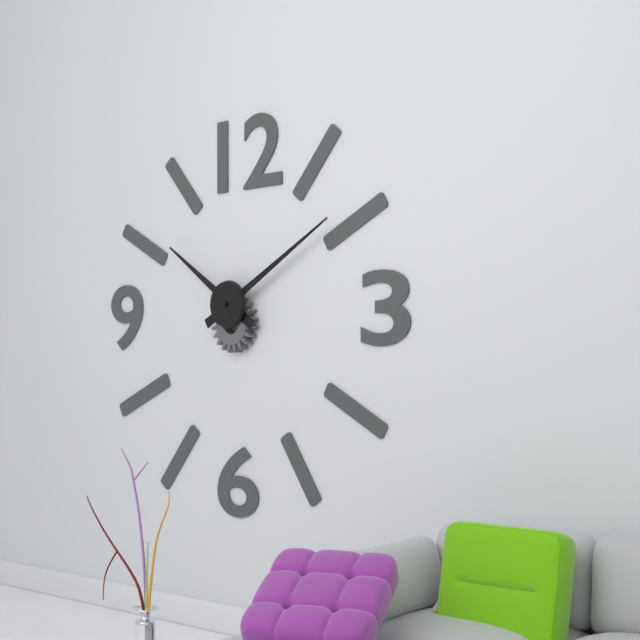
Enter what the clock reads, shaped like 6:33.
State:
10:10
